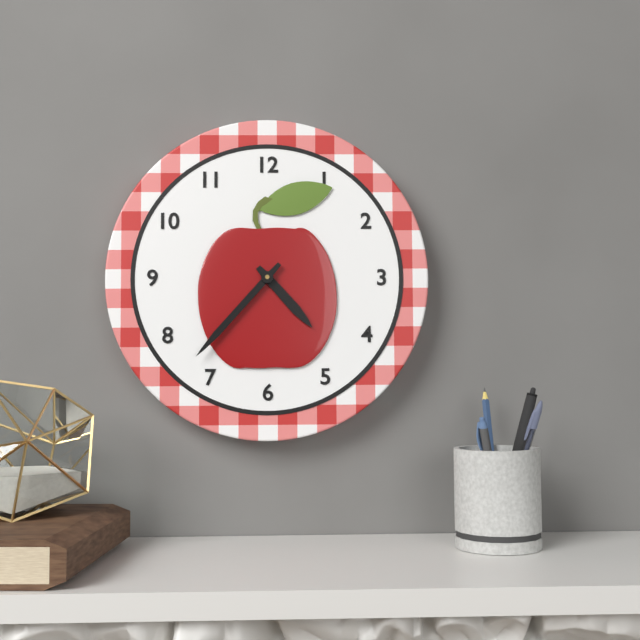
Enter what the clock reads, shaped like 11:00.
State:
4:37
